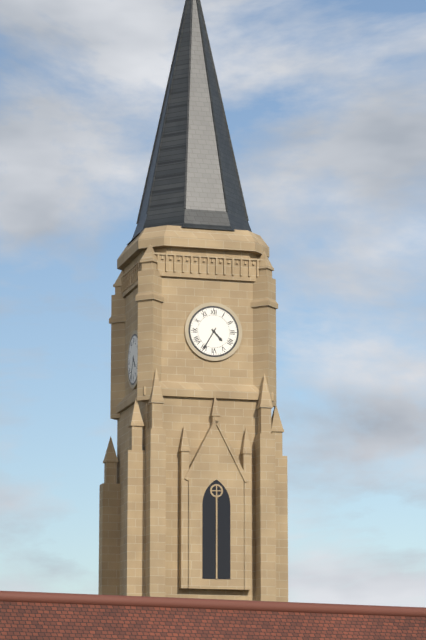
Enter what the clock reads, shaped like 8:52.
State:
4:35
